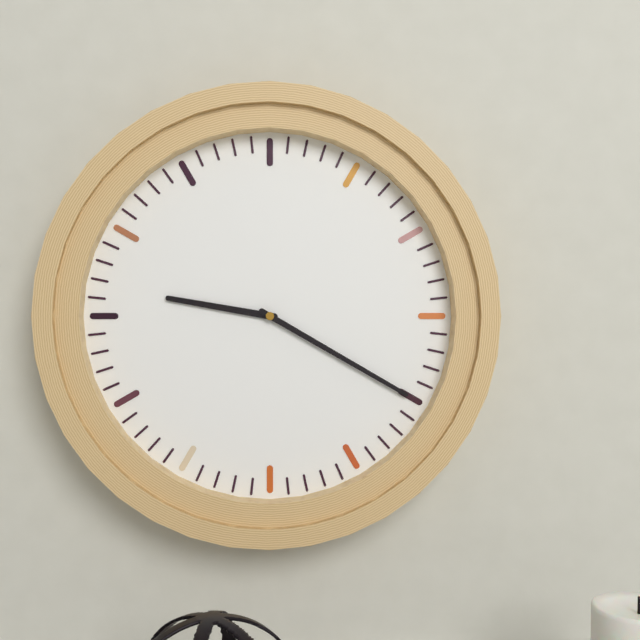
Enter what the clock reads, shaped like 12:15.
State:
9:20
